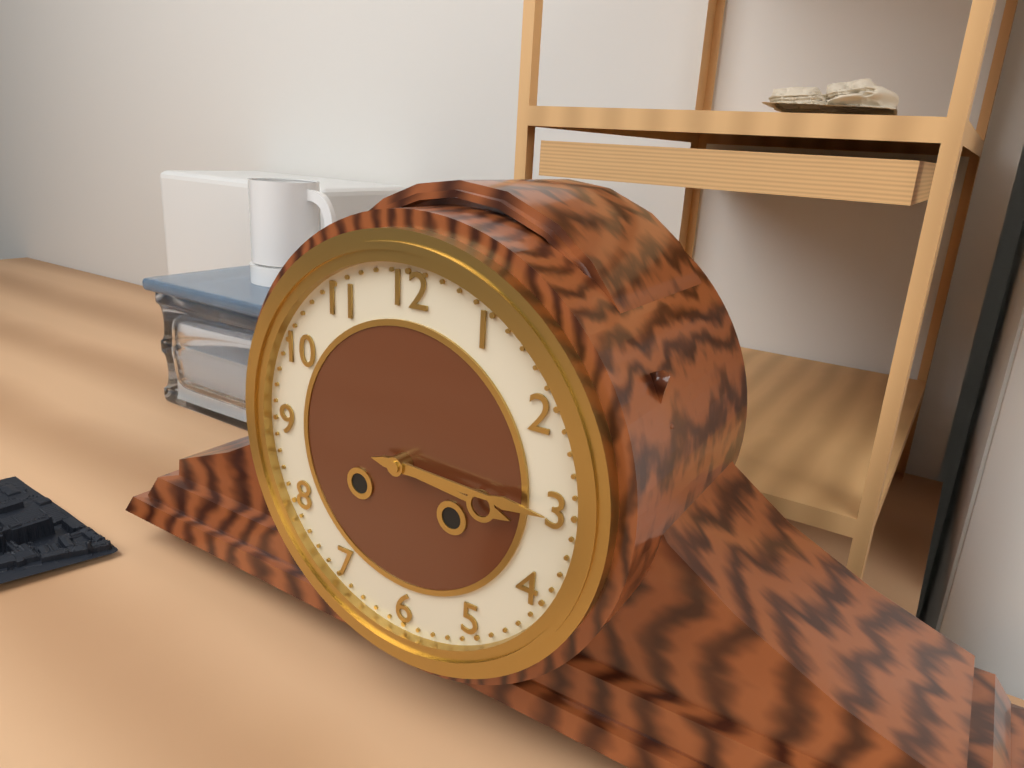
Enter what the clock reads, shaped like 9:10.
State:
3:15
